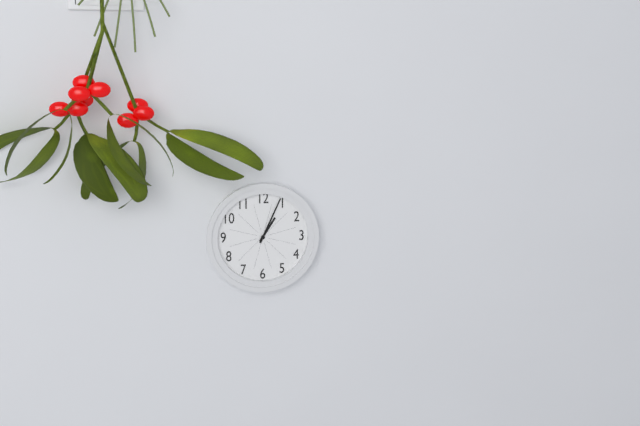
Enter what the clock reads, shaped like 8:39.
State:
1:04
